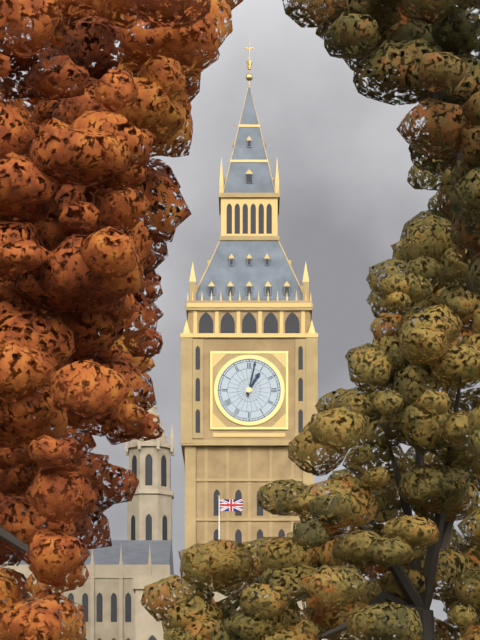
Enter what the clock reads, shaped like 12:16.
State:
1:02
